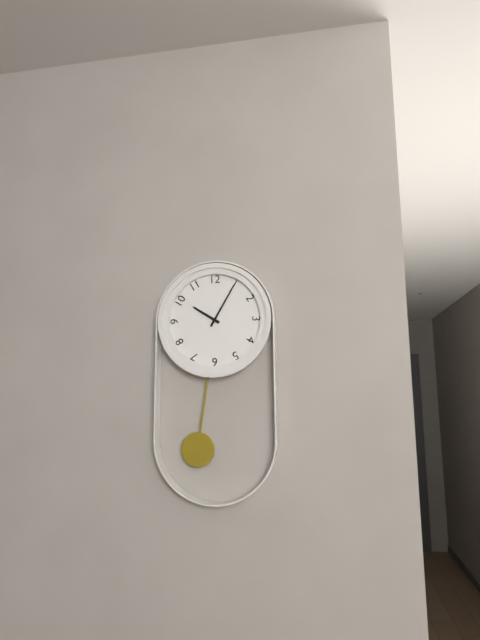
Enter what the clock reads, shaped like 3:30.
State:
10:05
